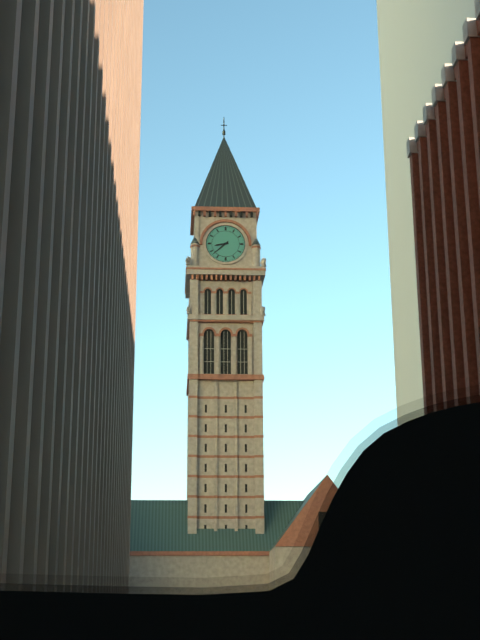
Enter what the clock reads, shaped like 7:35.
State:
8:38
